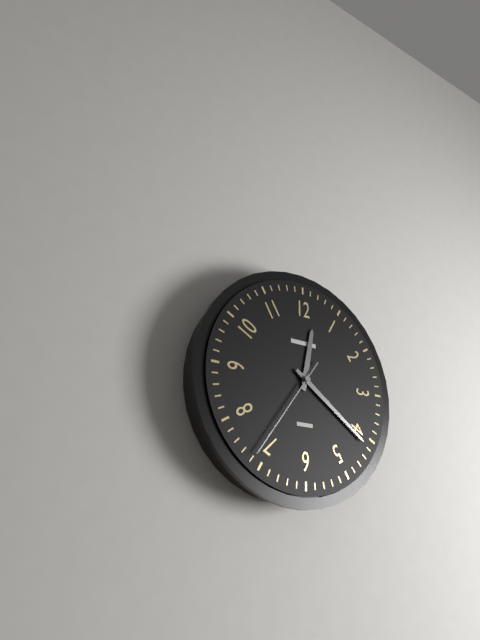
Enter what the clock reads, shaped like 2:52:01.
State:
12:21:36
